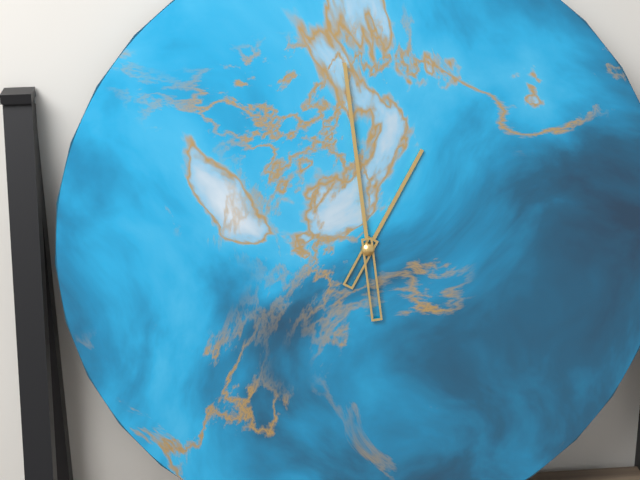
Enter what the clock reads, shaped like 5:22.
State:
12:59
